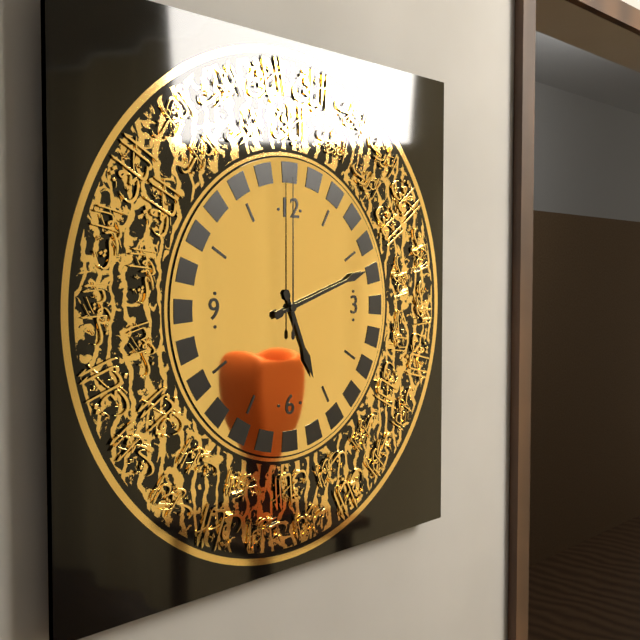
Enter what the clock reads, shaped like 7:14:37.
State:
5:12:00
